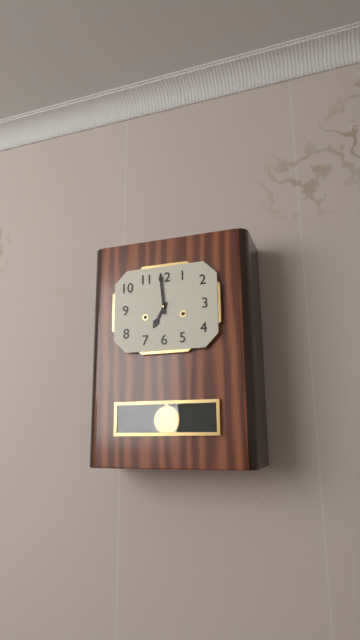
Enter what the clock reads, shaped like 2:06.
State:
6:59
